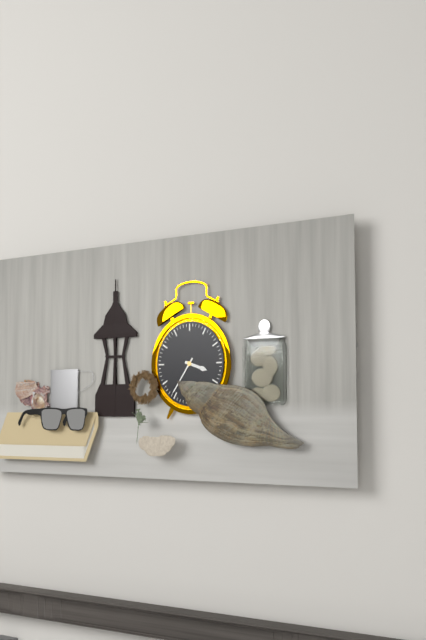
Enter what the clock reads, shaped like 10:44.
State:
3:36
